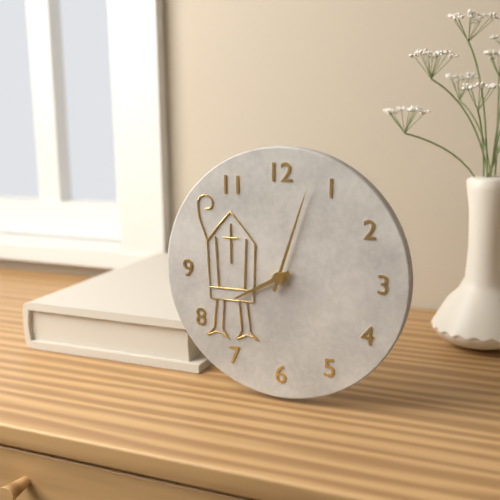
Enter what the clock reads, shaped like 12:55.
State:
8:03
